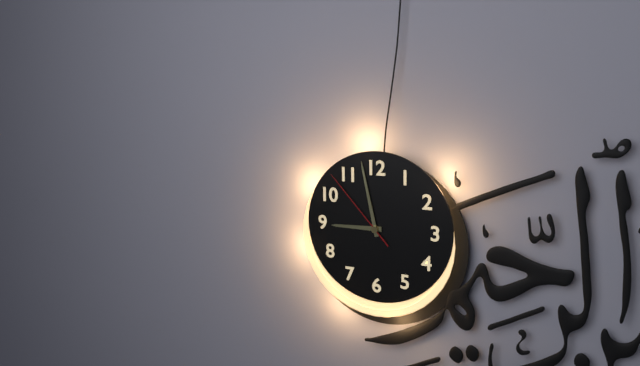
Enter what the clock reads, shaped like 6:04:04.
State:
8:58:53
